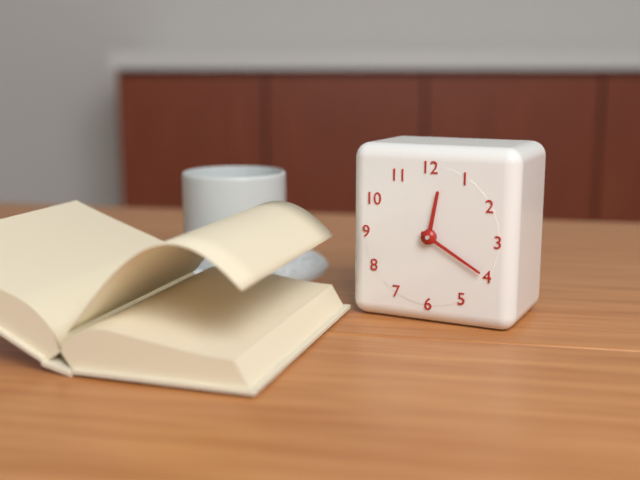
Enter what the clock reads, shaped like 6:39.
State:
12:20
